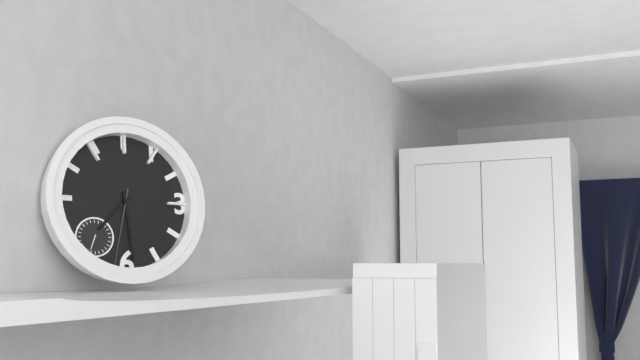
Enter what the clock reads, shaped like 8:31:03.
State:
7:29:32
